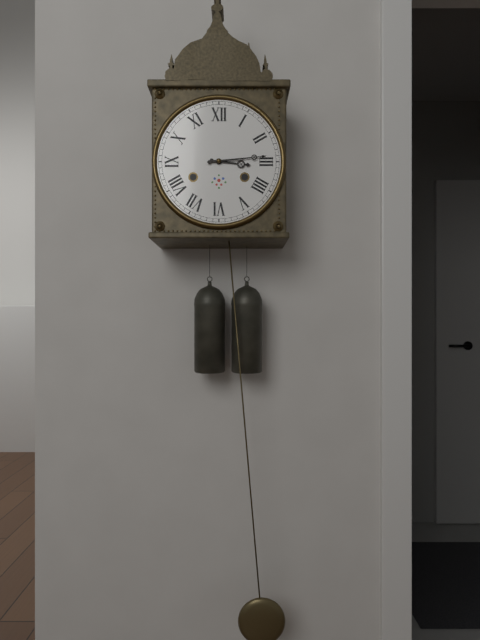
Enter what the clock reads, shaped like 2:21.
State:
3:14
